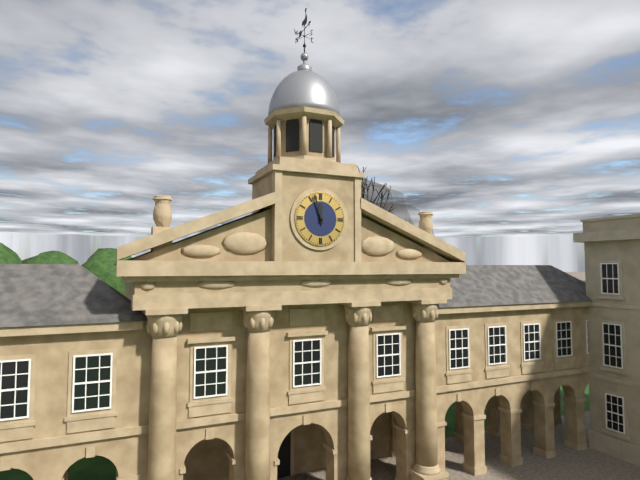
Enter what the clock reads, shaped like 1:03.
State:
11:57
